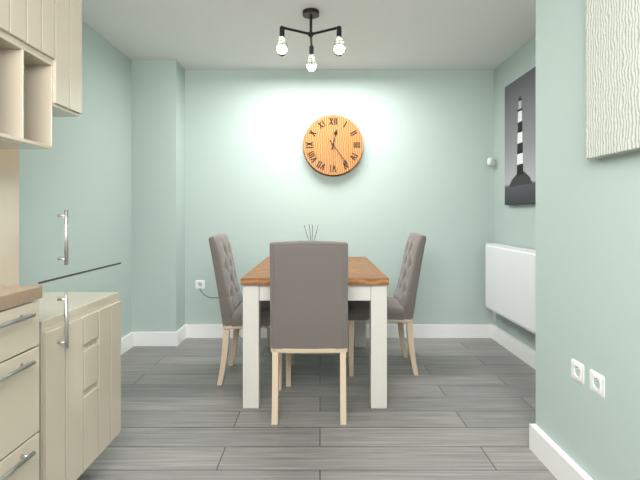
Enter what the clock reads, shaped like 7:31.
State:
12:24
